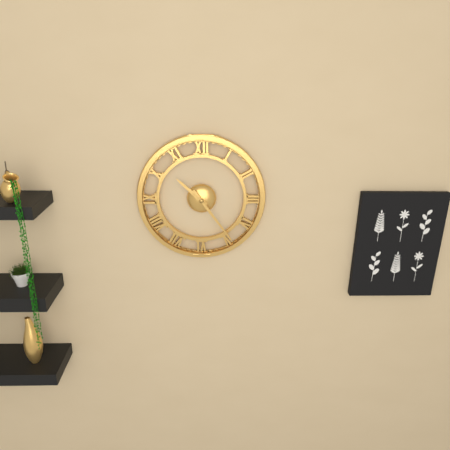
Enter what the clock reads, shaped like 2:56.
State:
10:24
